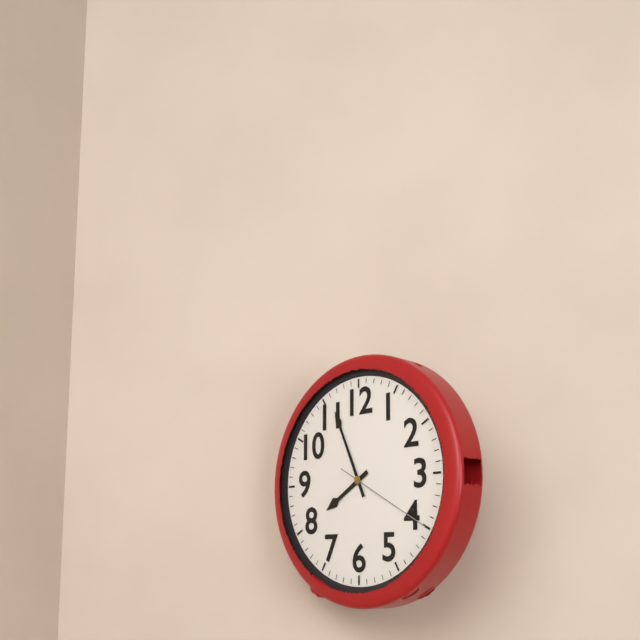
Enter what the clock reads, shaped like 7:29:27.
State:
7:56:20
